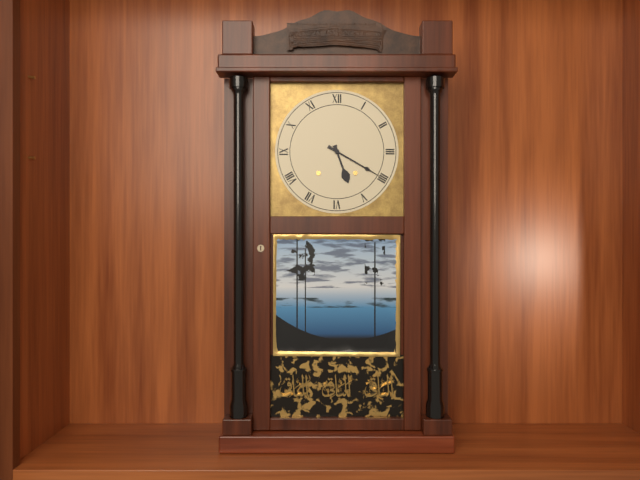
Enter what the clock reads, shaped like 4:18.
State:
5:20
